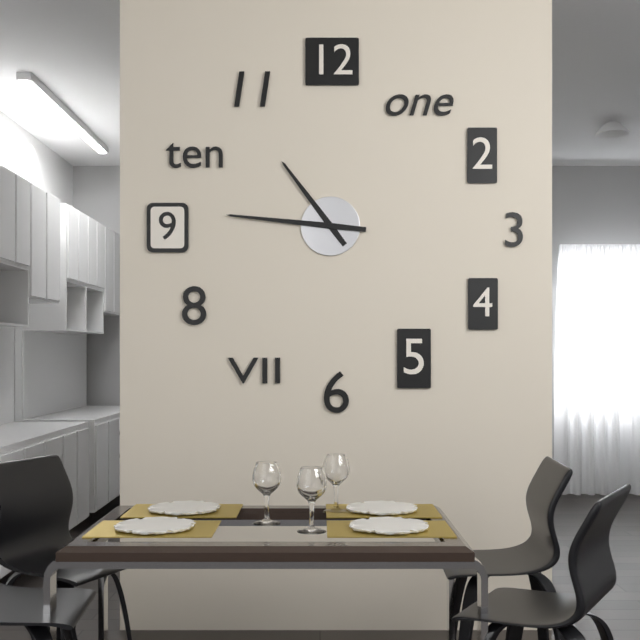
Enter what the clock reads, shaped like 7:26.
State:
10:46
